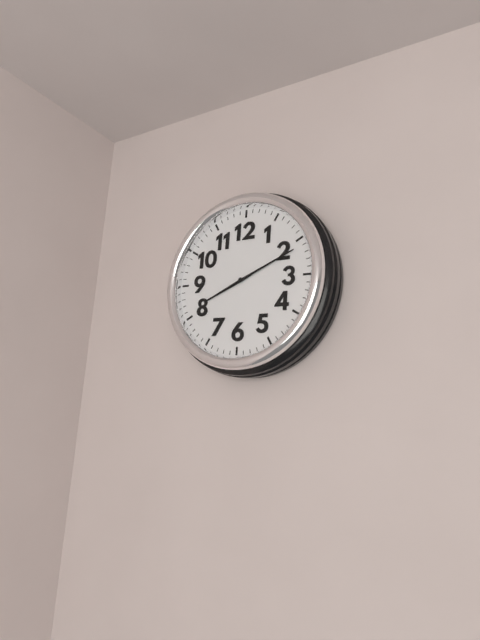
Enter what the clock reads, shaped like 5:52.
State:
8:11
